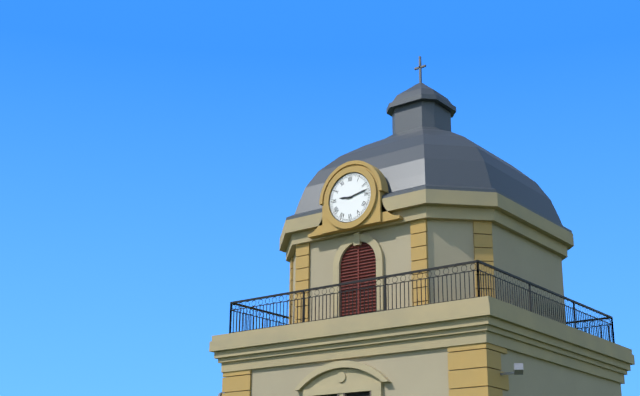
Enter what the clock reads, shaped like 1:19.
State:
9:13
